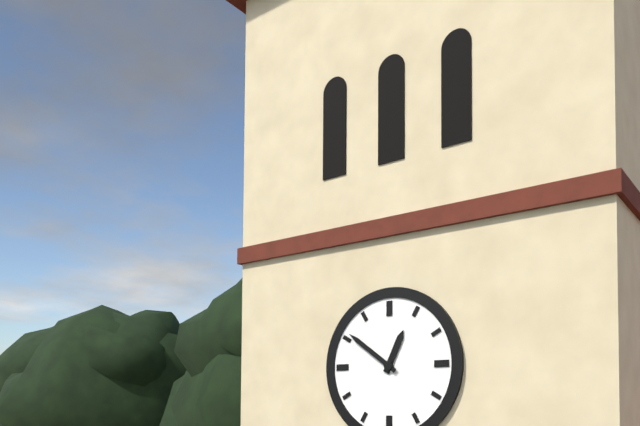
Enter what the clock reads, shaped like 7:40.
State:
12:51
